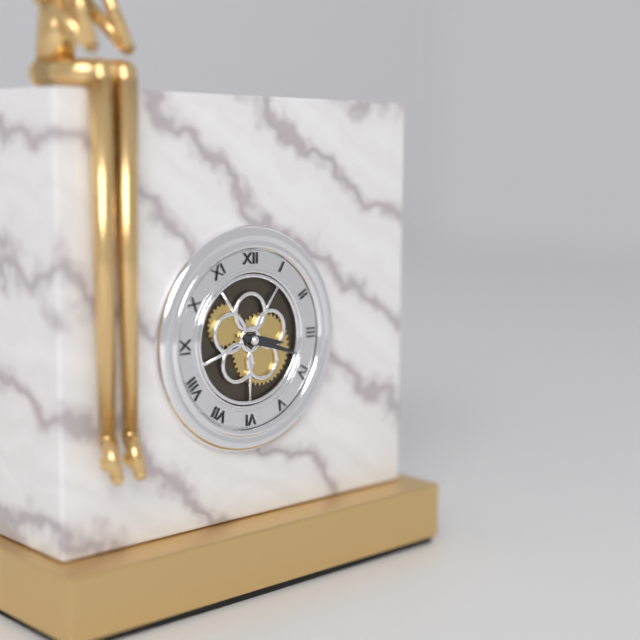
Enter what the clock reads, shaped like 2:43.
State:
3:18
